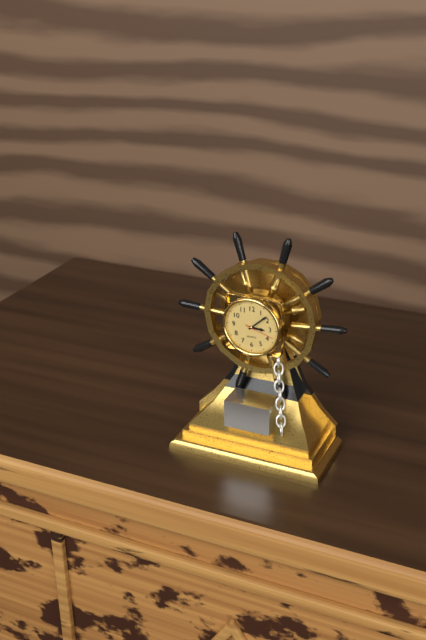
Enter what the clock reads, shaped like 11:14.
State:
3:08
